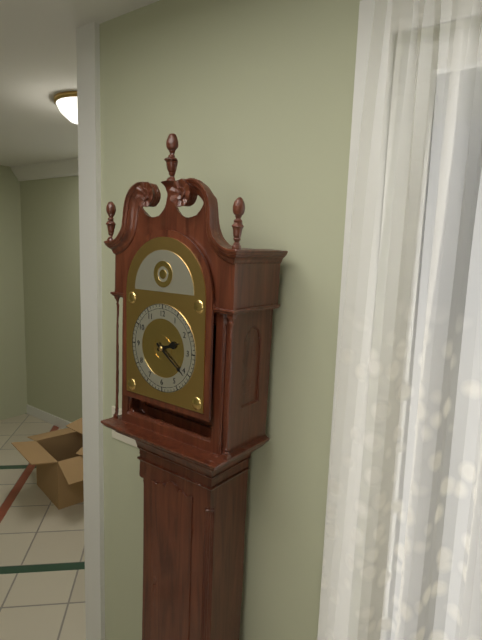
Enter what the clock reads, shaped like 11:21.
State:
2:21
